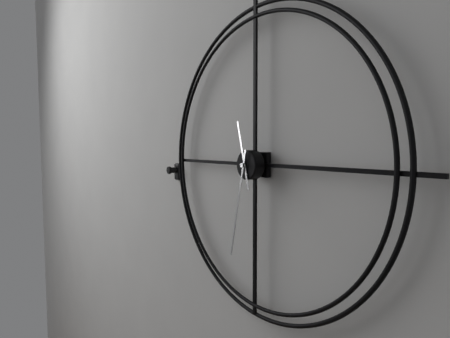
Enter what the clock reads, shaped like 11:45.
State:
11:32
